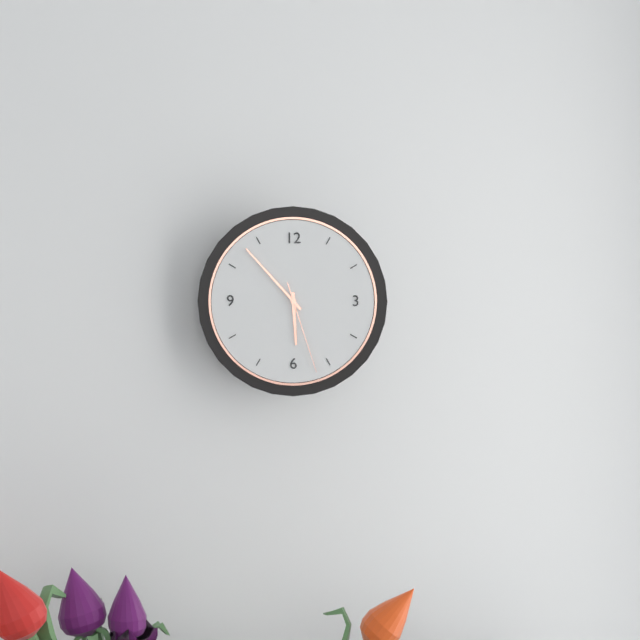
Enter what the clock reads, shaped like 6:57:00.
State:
5:53:27
